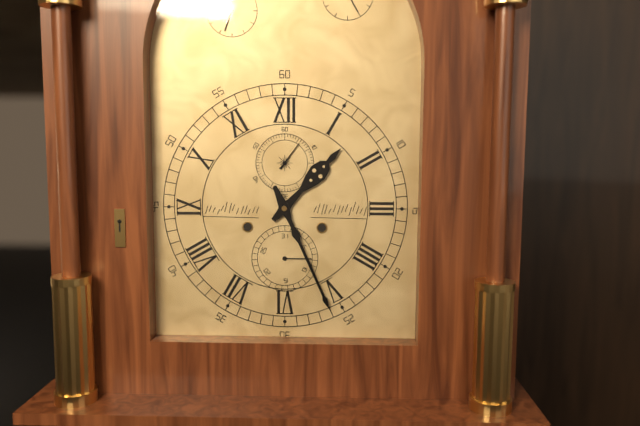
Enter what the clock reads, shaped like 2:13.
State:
1:26
